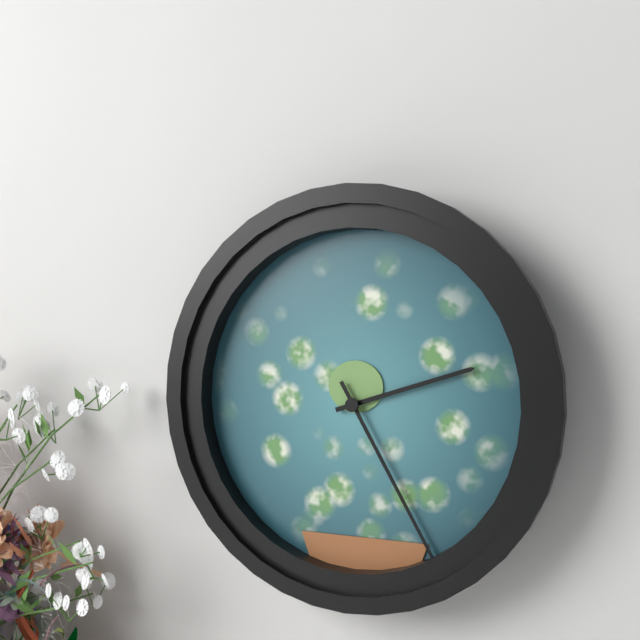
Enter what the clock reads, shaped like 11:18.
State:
2:25
